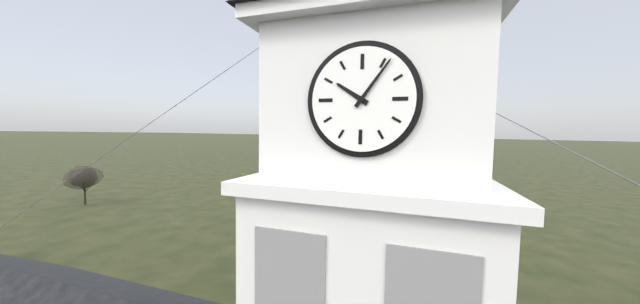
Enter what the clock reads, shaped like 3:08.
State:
10:06
